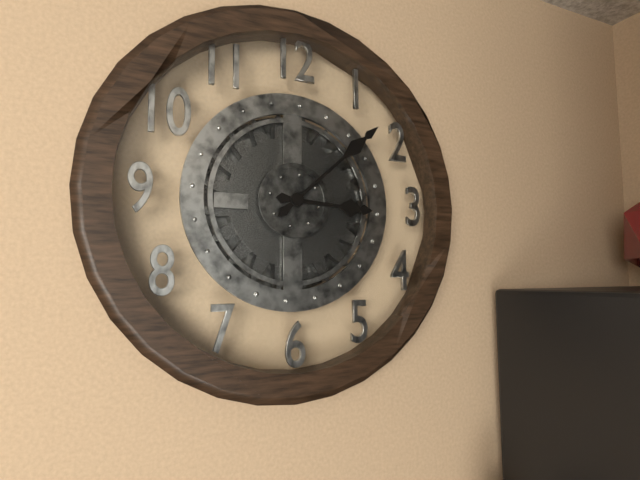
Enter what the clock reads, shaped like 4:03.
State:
3:08
